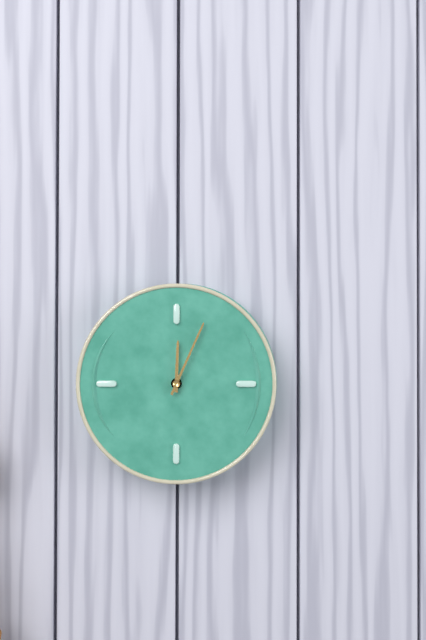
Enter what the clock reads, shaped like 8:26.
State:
12:04
